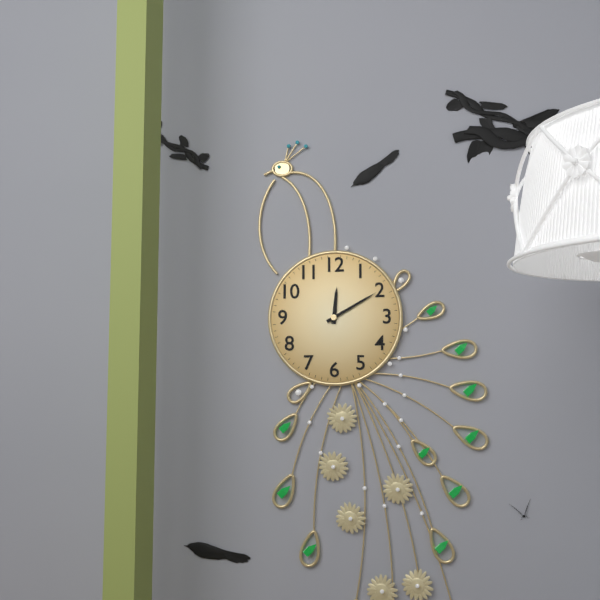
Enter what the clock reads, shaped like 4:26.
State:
12:10
